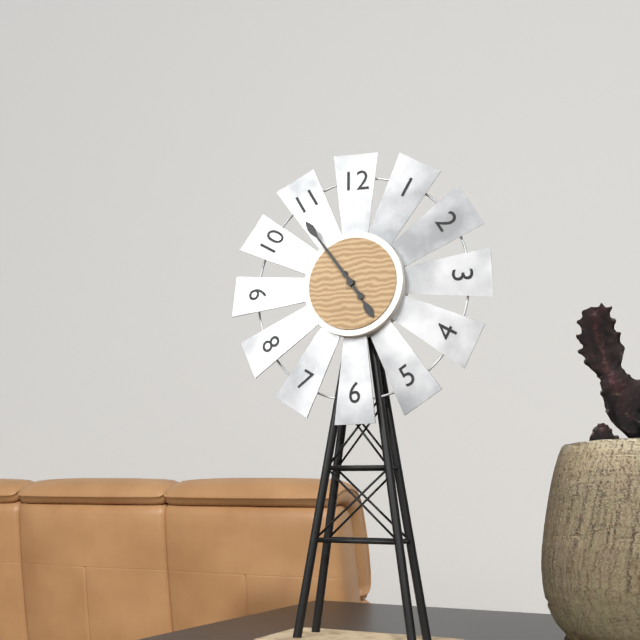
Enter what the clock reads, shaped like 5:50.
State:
4:54
